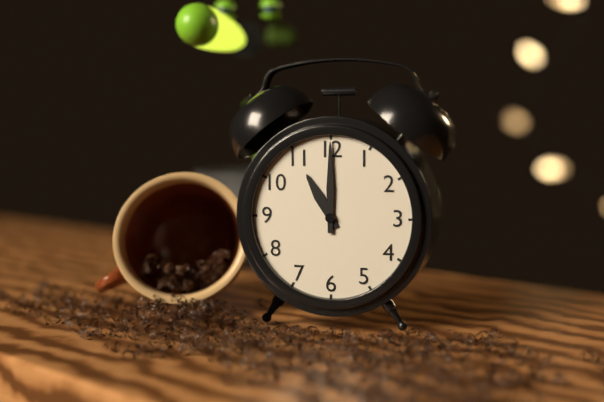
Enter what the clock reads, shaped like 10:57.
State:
11:00
